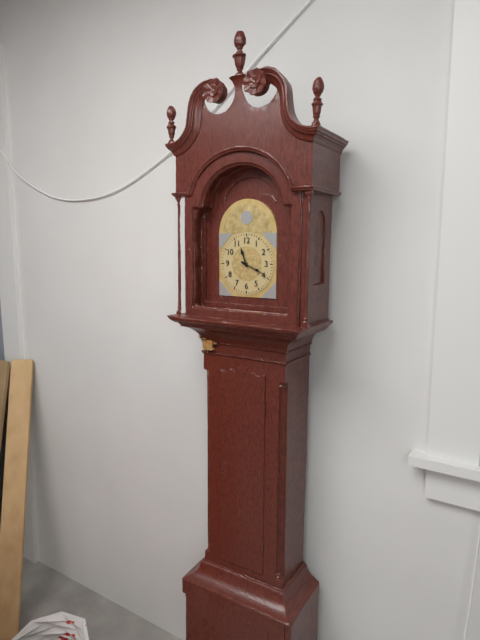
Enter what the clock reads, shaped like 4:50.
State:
11:19
